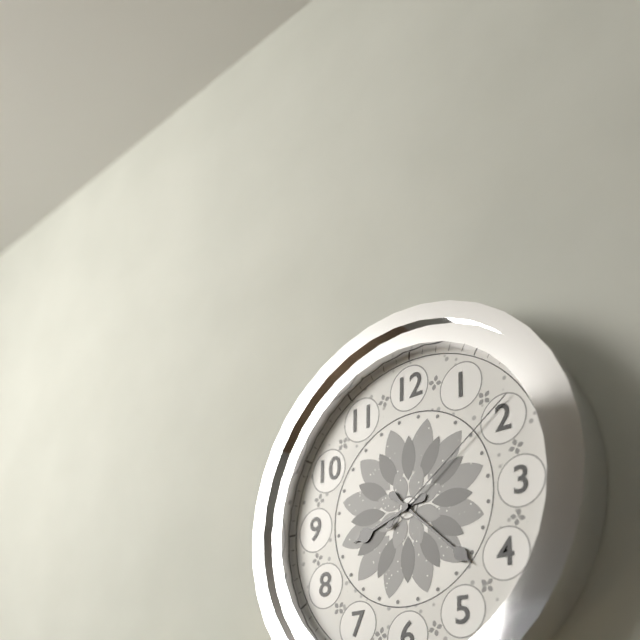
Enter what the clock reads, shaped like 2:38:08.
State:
8:22:09
